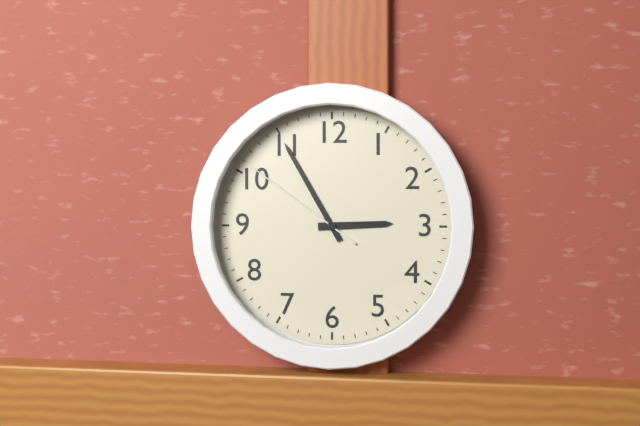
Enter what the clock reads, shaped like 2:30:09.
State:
2:55:51
